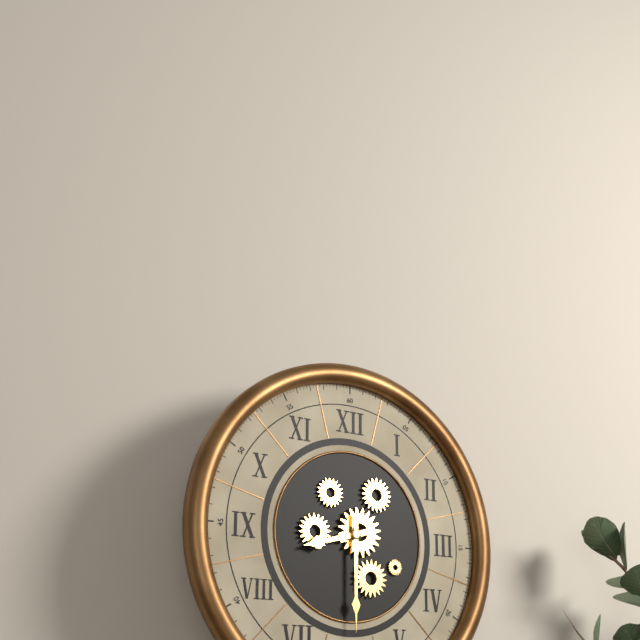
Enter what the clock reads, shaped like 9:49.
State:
8:30
